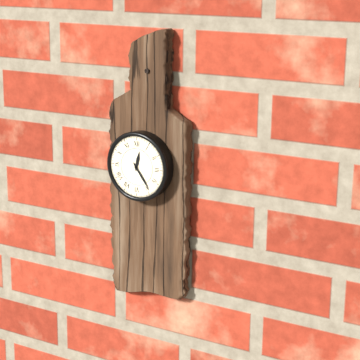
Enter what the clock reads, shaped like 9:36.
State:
12:24
